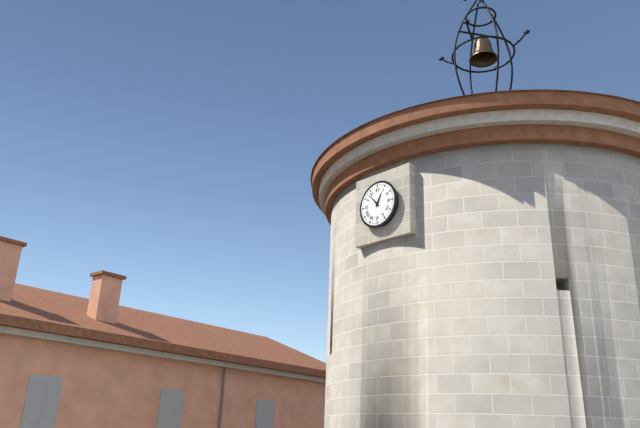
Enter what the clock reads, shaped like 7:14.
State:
12:53
